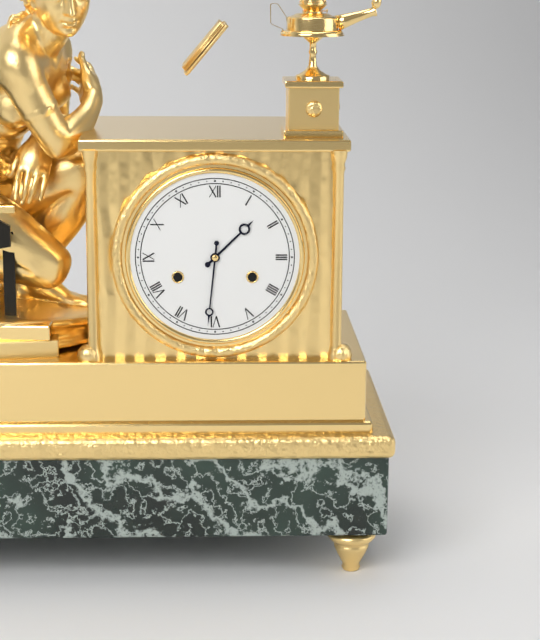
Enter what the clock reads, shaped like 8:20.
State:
1:31
